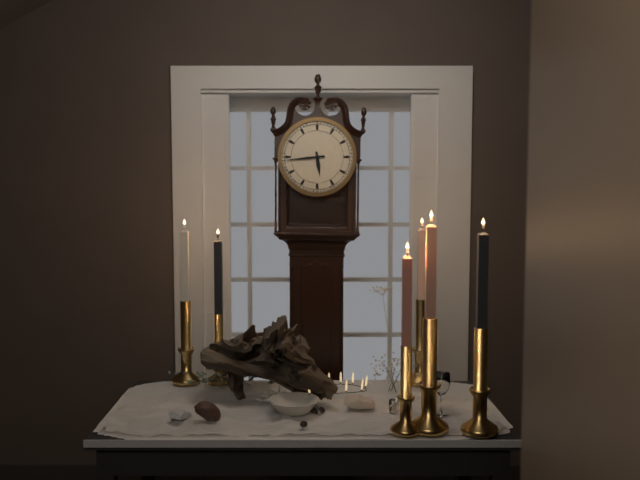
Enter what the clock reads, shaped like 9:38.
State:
5:44
